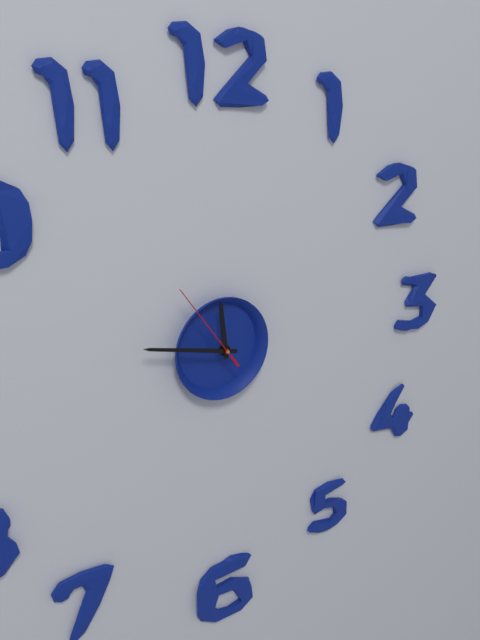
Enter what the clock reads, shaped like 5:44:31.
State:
11:47:54
